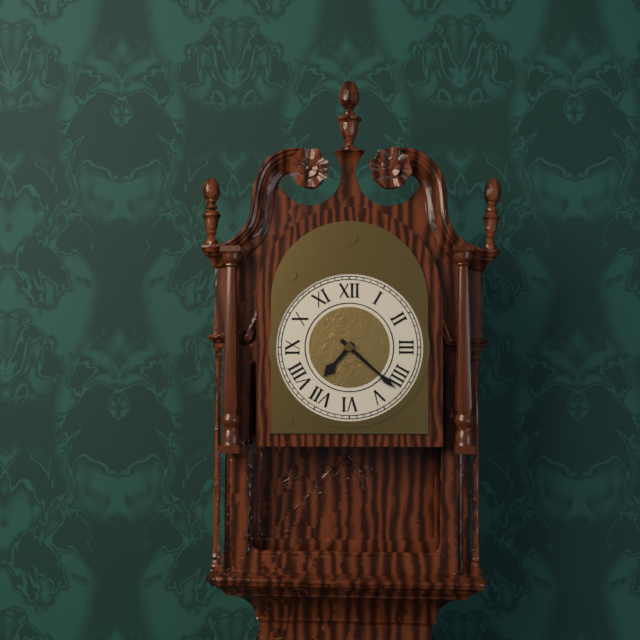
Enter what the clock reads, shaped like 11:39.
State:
7:22
